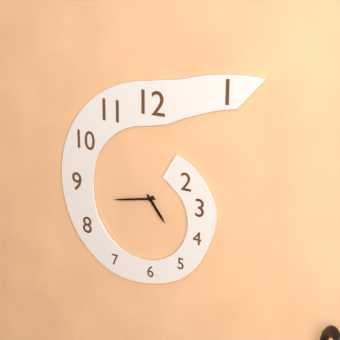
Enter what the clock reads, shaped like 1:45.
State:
4:43
